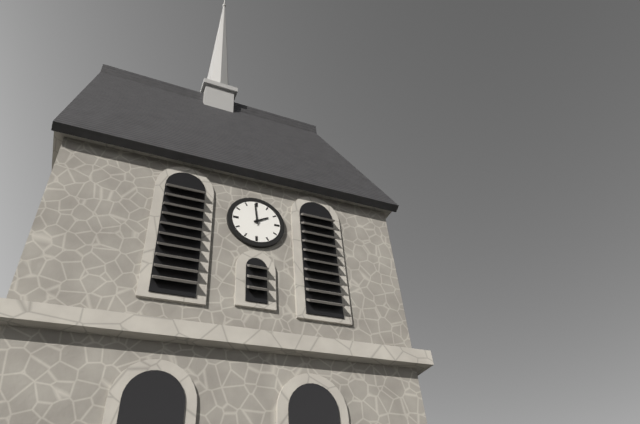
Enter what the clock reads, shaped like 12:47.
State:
1:59
